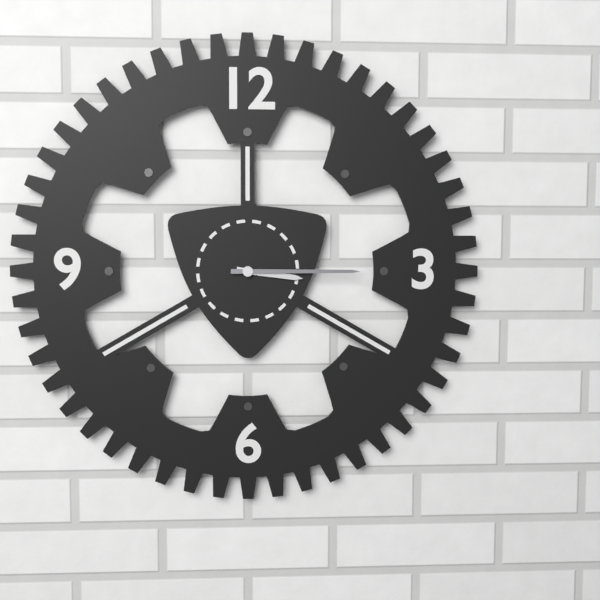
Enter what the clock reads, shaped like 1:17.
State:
3:15
